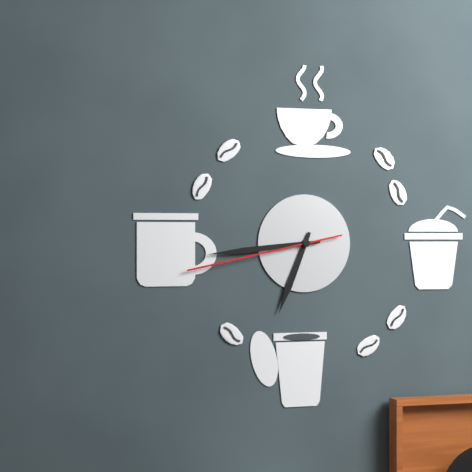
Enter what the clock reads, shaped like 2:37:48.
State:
6:44:43
